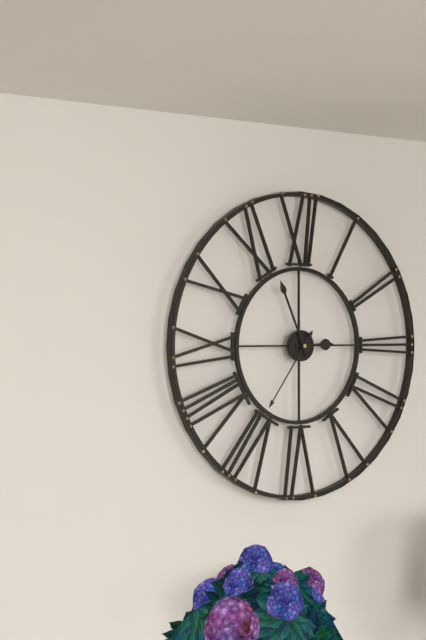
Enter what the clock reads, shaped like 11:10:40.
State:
2:56:36
